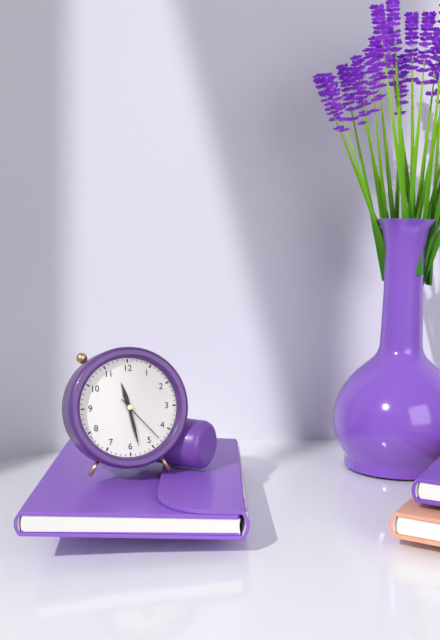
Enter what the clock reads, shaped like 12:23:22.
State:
11:28:23
